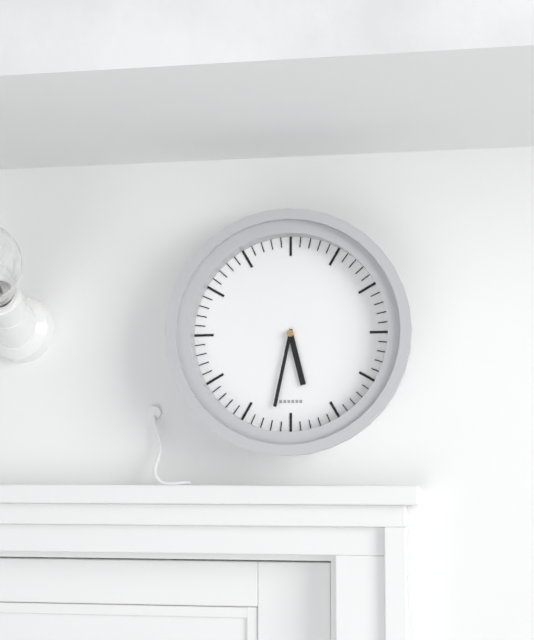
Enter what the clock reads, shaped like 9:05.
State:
5:32
